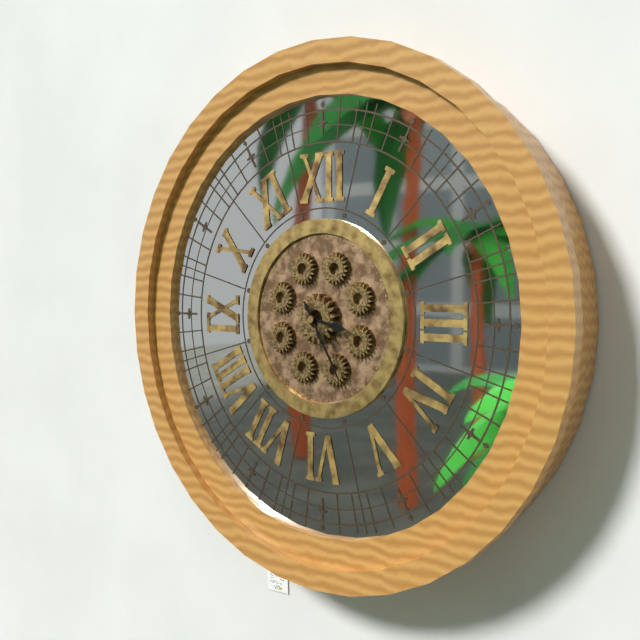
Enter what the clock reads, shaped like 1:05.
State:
3:25
